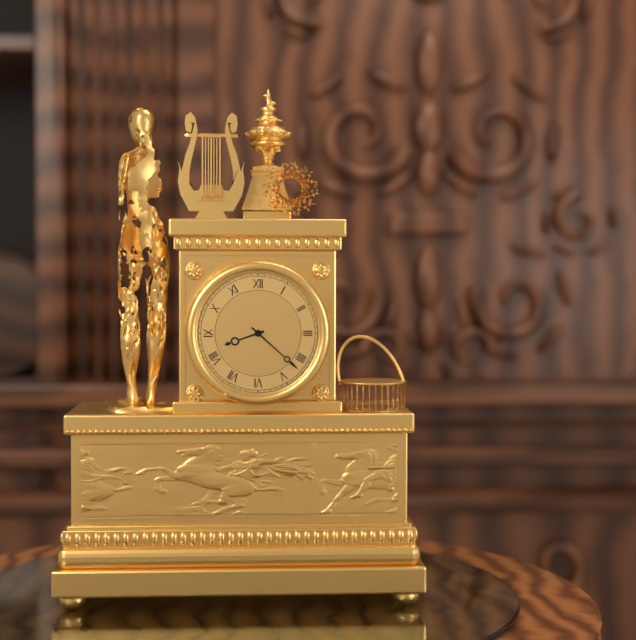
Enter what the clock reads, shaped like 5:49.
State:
8:22
